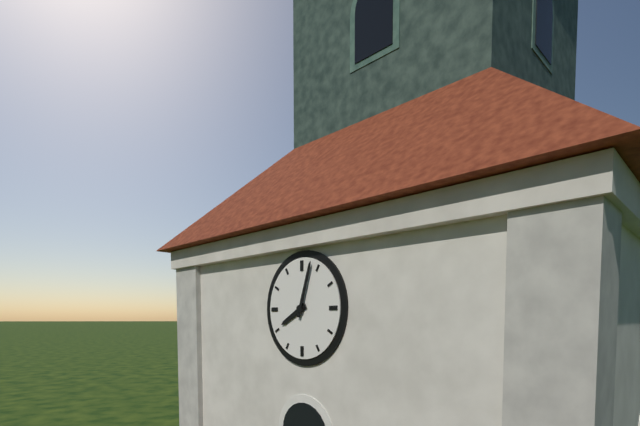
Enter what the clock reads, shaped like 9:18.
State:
8:03
